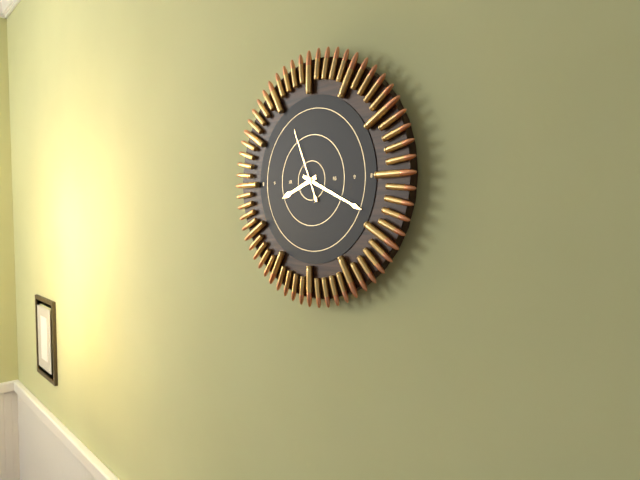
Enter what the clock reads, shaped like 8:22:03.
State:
8:19:56
